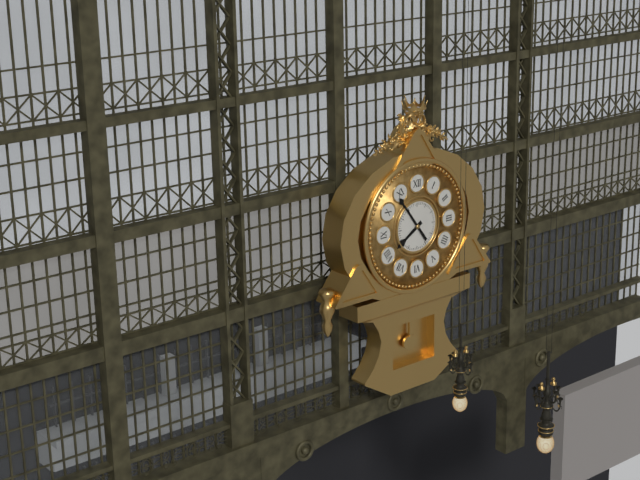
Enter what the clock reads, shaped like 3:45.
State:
7:54
